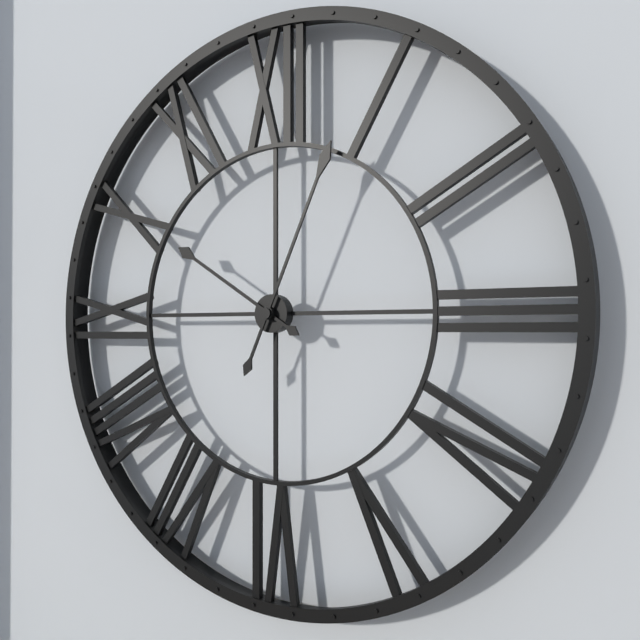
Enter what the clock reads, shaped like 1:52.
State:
10:04
